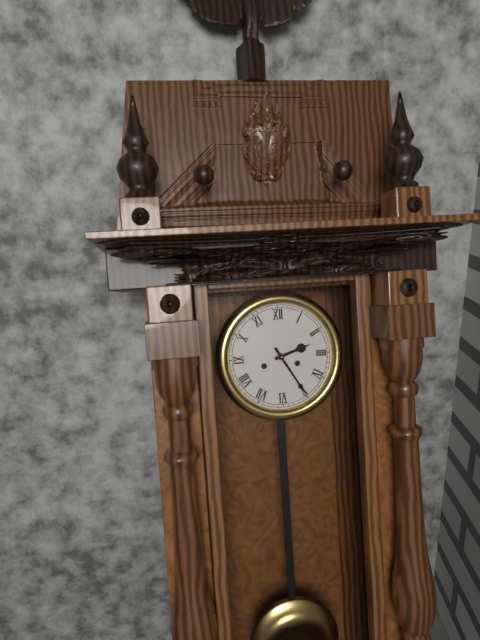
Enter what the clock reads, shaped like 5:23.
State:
2:25
